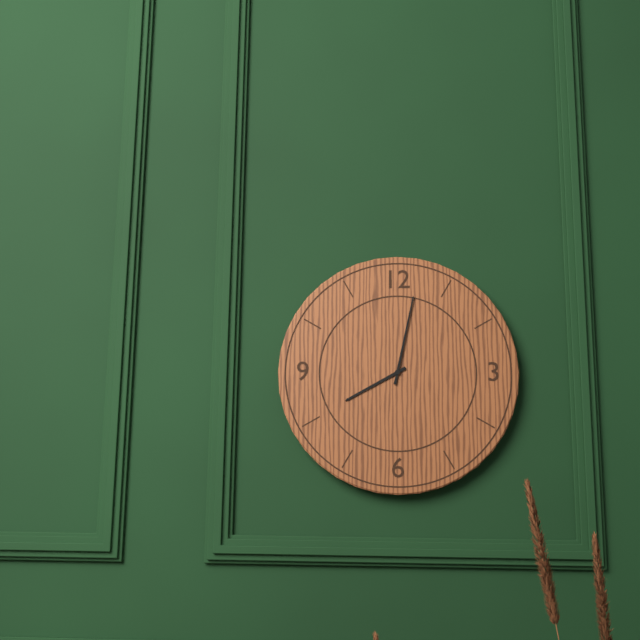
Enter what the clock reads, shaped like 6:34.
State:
8:02
